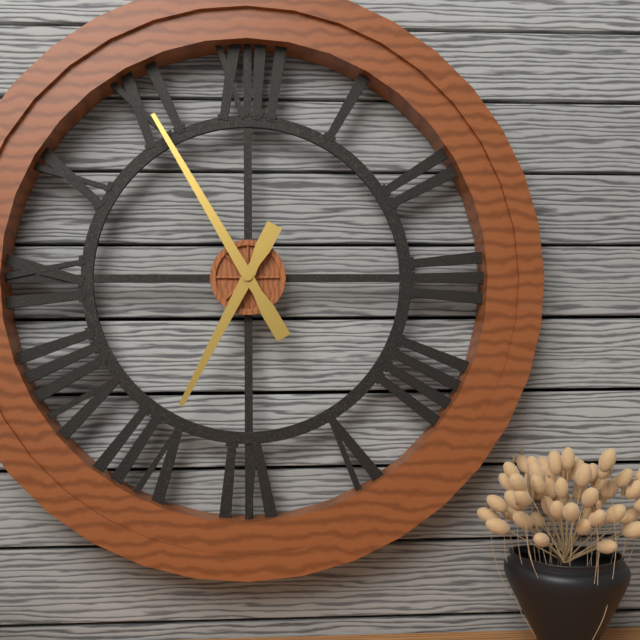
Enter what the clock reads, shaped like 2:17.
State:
6:55
